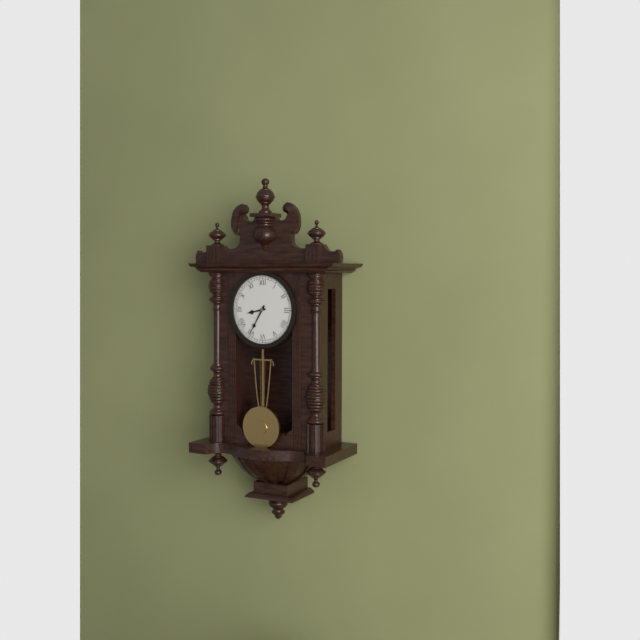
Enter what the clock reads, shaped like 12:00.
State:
8:35
